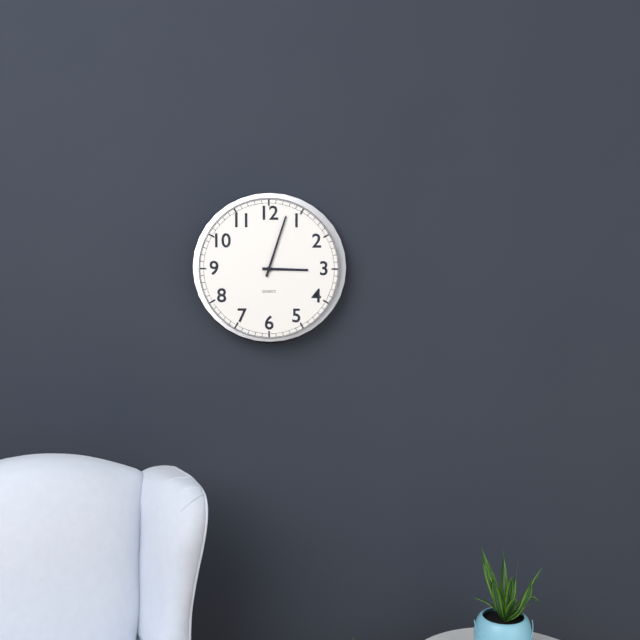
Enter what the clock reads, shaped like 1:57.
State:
3:03
